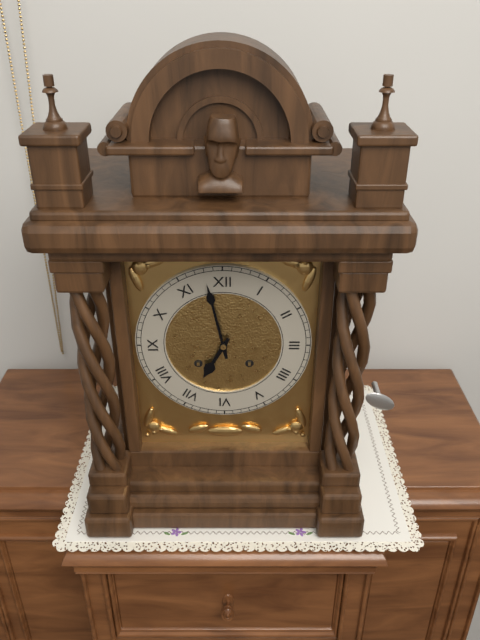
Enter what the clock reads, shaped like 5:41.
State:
6:58
